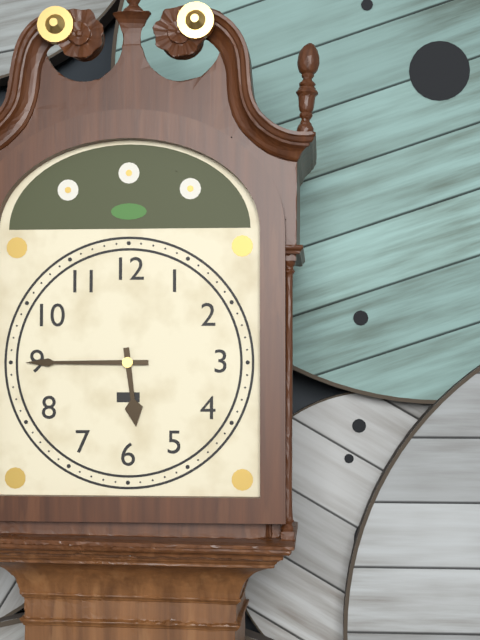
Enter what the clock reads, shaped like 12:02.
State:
5:45
